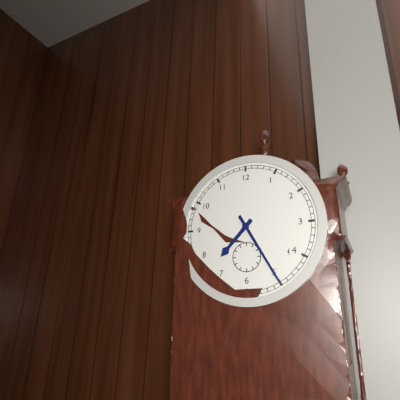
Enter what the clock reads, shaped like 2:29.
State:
7:25
